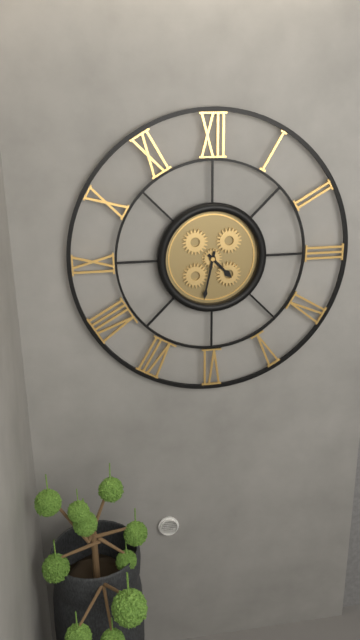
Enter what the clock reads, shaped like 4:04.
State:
4:32
